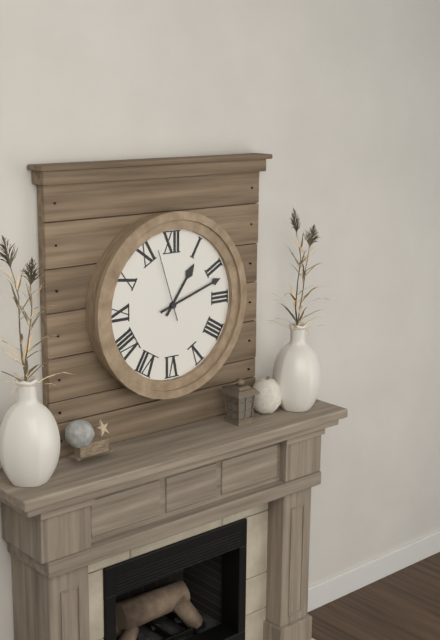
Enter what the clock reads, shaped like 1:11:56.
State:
1:12:57
